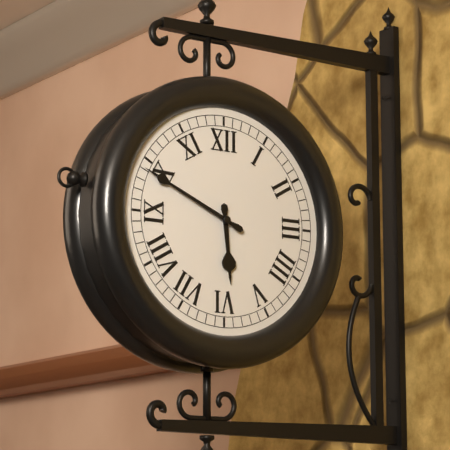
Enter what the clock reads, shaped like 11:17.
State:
5:49
